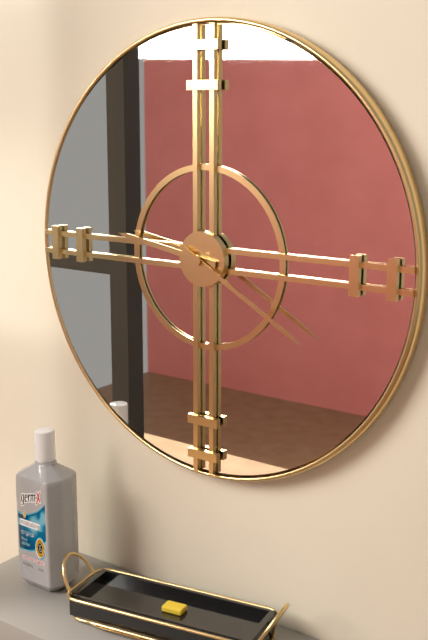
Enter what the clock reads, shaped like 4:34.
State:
9:20
